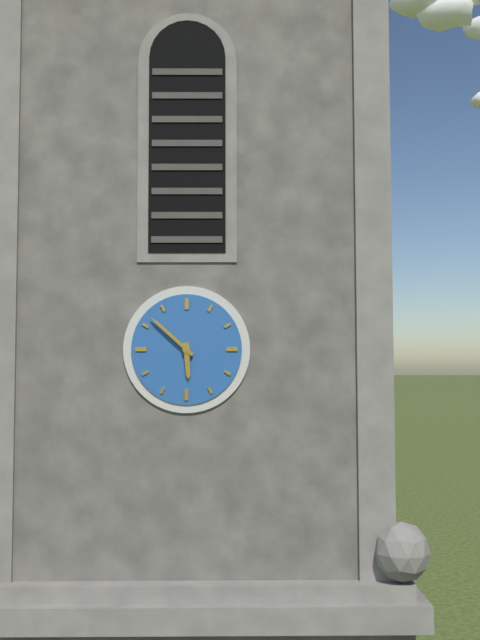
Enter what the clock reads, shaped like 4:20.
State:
5:52
